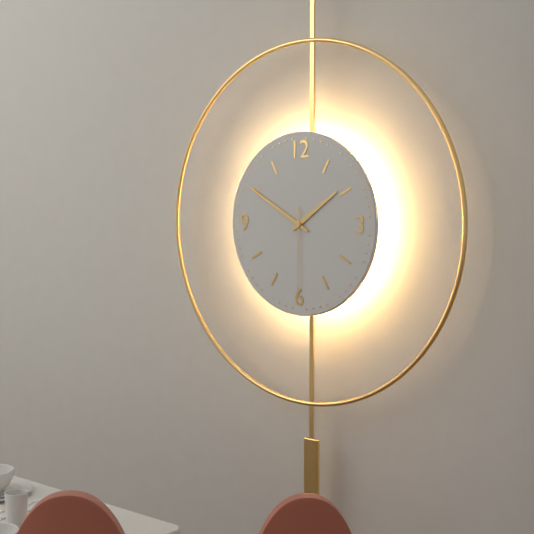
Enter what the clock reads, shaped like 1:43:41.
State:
1:50:30
